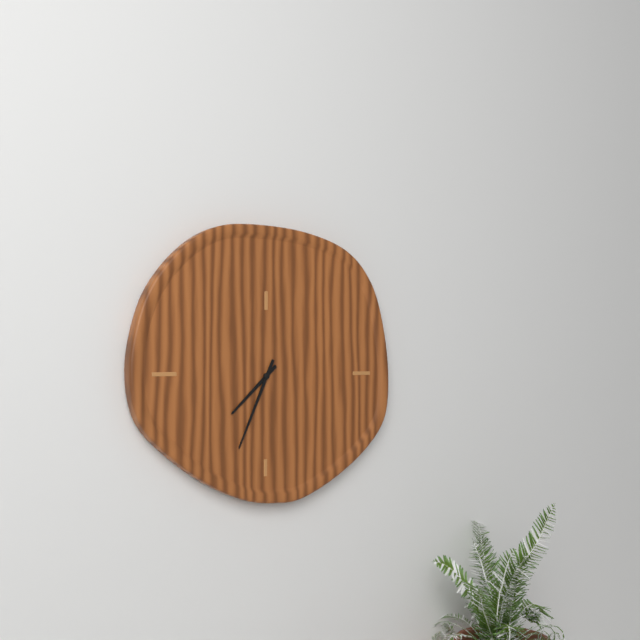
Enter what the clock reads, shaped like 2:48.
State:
7:34
